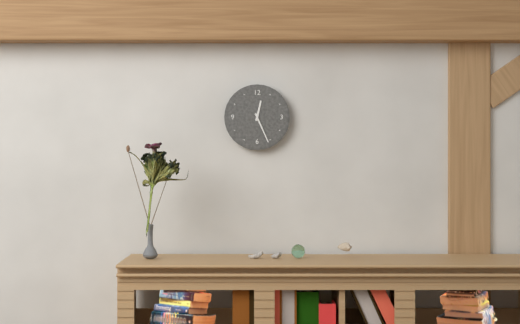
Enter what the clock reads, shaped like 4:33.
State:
12:26
